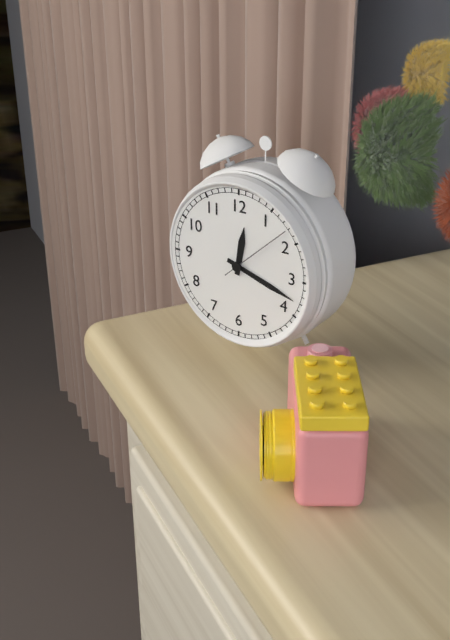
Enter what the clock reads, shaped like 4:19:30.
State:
12:18:08
